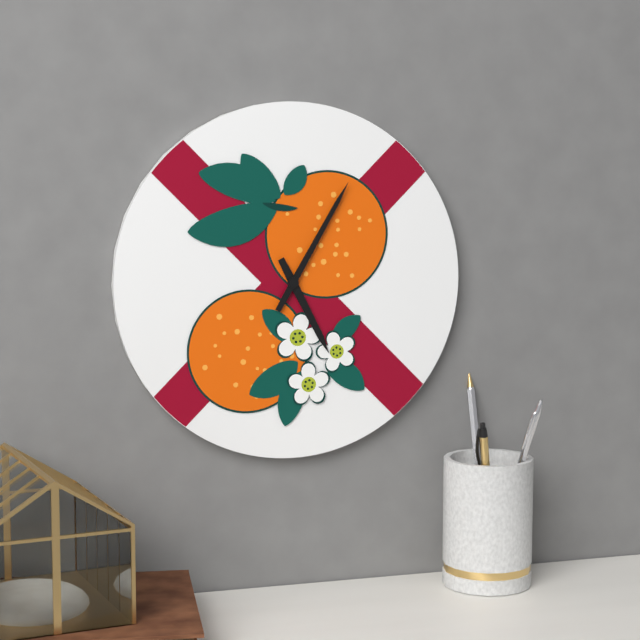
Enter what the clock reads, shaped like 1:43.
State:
5:05
